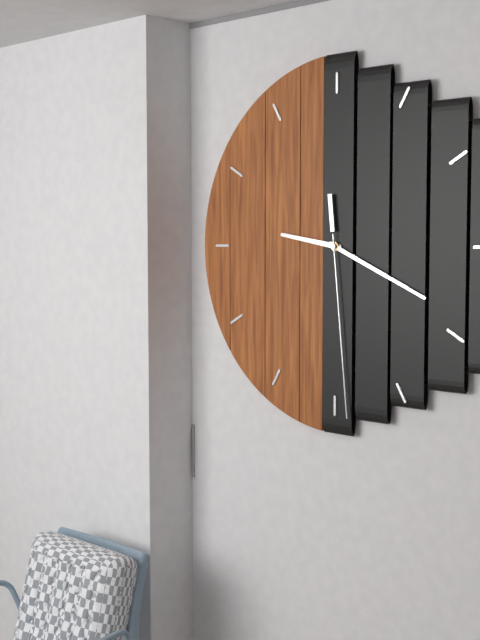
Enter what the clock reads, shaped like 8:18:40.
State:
9:19:29
